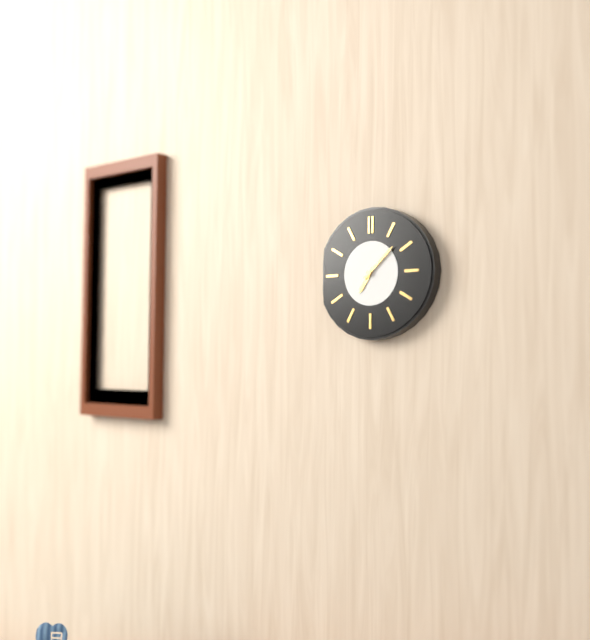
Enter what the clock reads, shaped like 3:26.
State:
7:08
